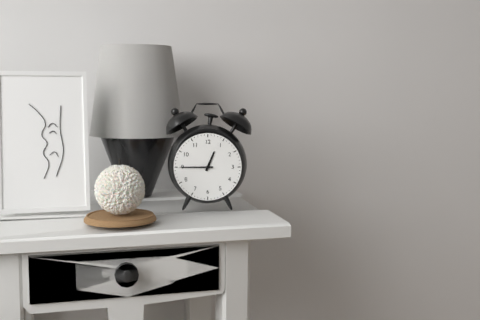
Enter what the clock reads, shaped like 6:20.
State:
12:45
